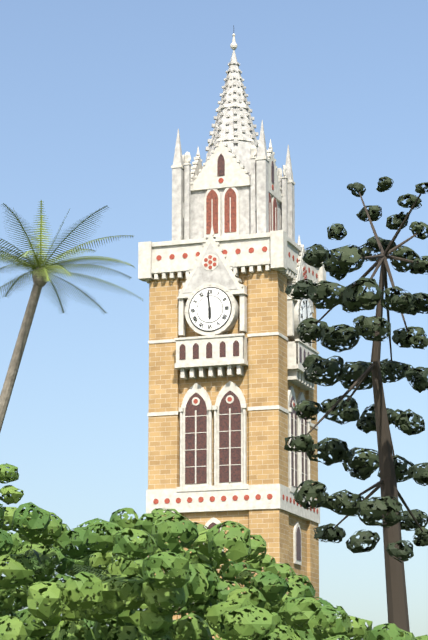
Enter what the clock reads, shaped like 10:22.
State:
5:59
